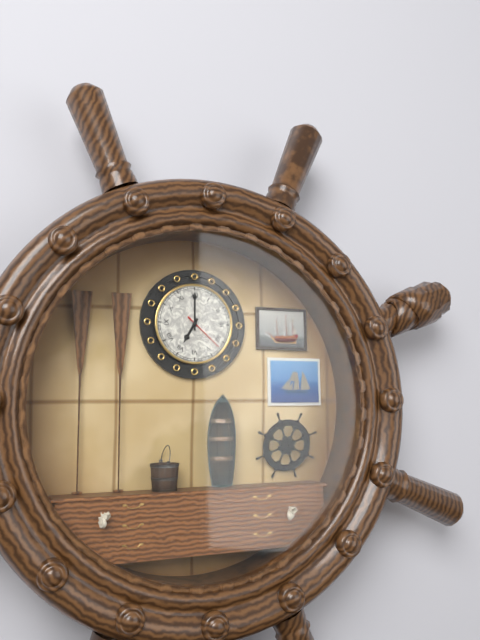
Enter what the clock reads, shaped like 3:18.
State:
7:00
